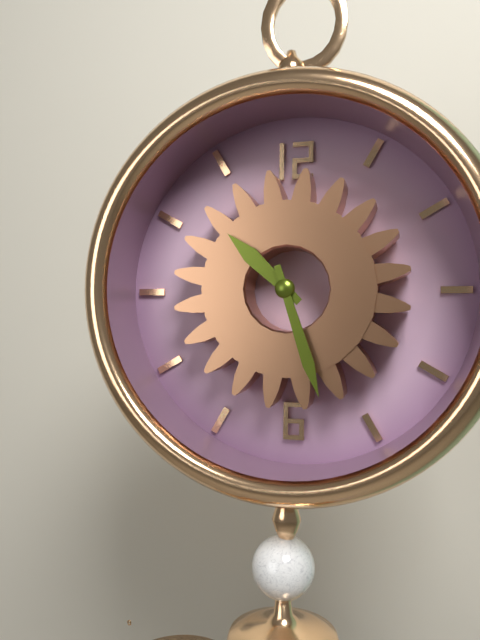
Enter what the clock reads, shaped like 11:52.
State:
10:27
